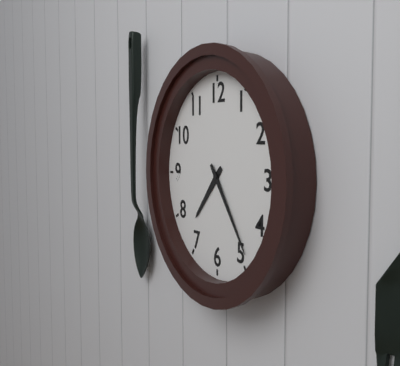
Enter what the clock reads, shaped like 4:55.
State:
7:24
